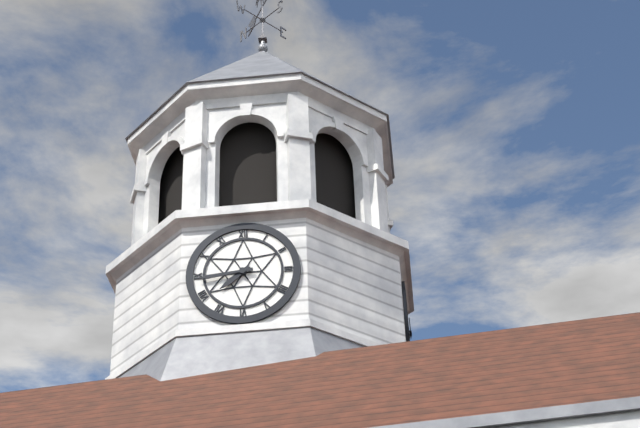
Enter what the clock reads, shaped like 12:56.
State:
7:44
